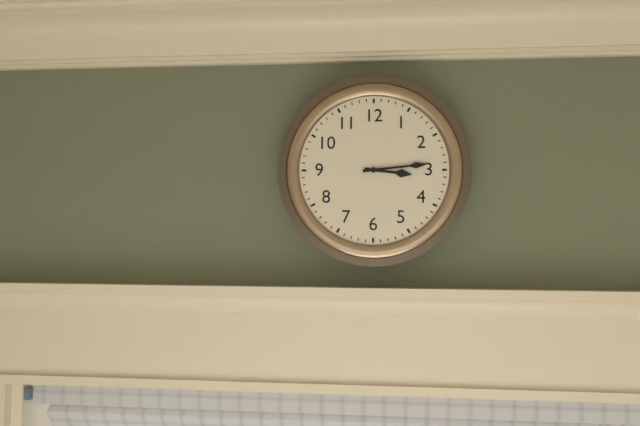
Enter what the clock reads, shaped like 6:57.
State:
3:14
